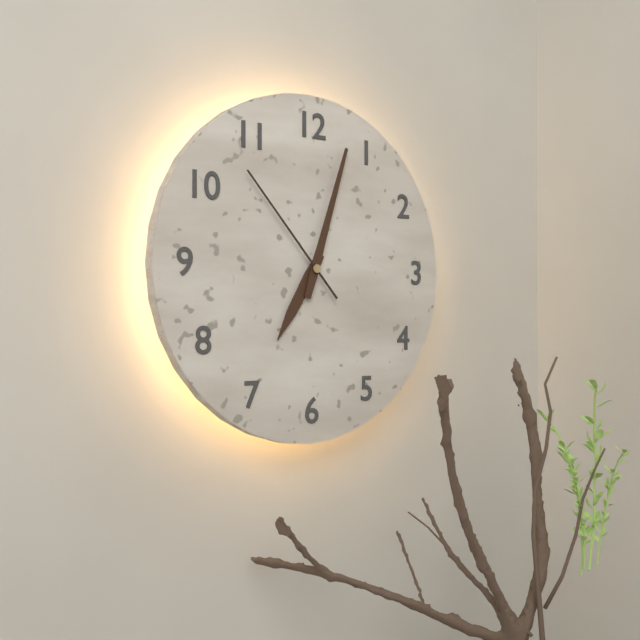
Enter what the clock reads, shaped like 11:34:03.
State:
7:03:53
